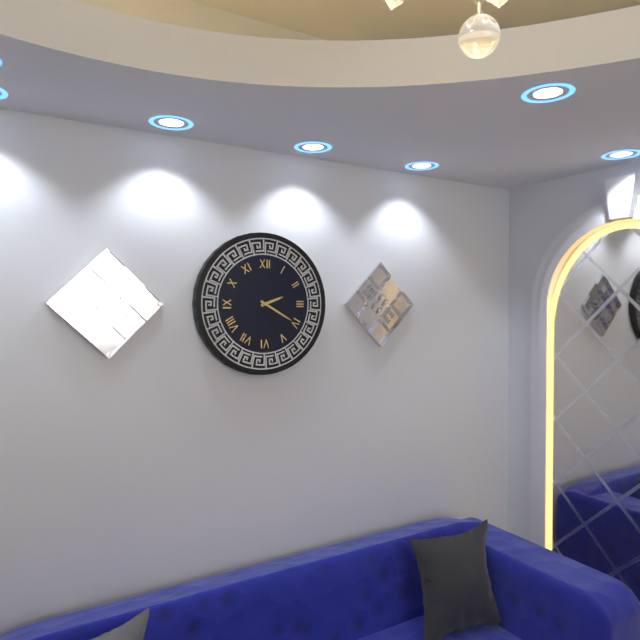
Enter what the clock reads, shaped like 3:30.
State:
2:20
